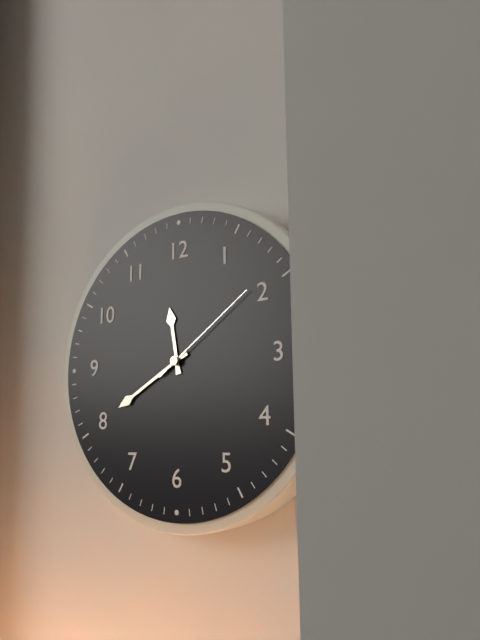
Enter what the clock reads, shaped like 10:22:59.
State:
11:40:09
